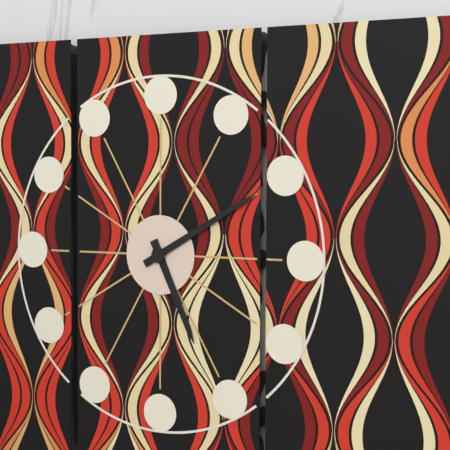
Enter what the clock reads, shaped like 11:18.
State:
5:10
